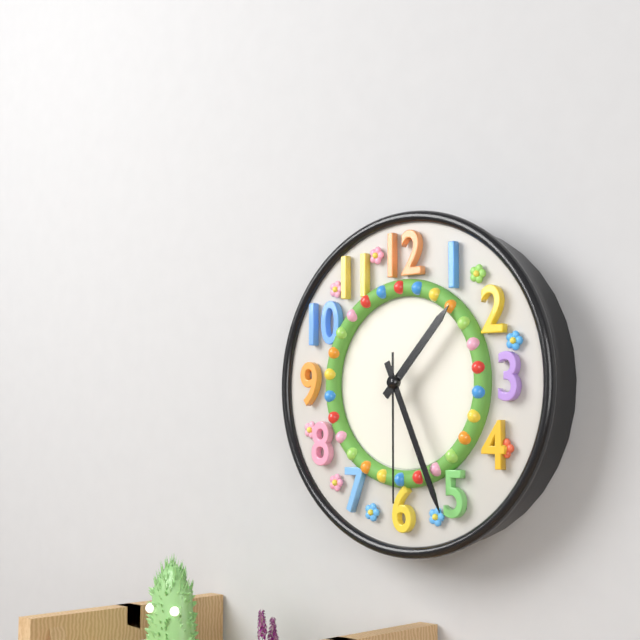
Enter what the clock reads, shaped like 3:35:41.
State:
1:26:30
